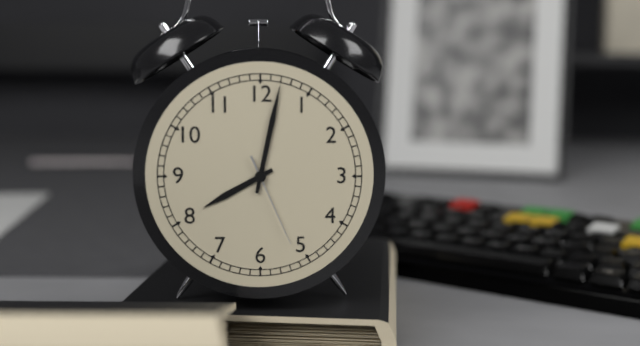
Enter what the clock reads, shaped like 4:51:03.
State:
8:02:26
